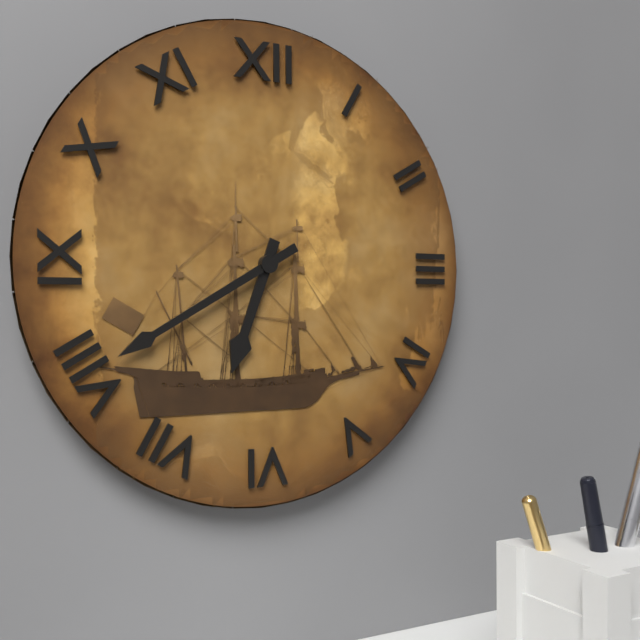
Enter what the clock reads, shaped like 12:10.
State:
6:40
